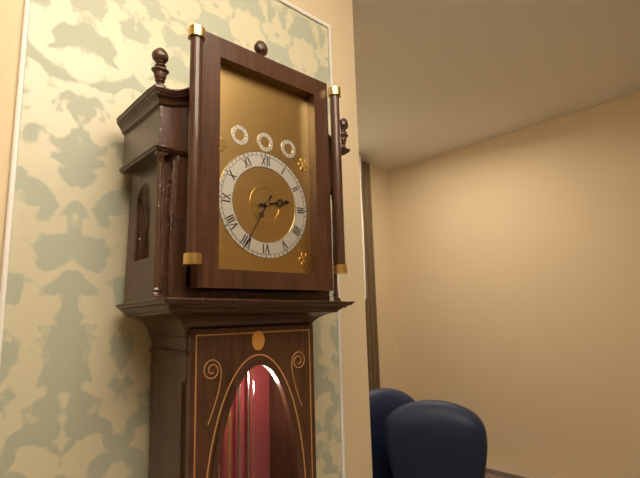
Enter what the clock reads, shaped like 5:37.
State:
2:35
